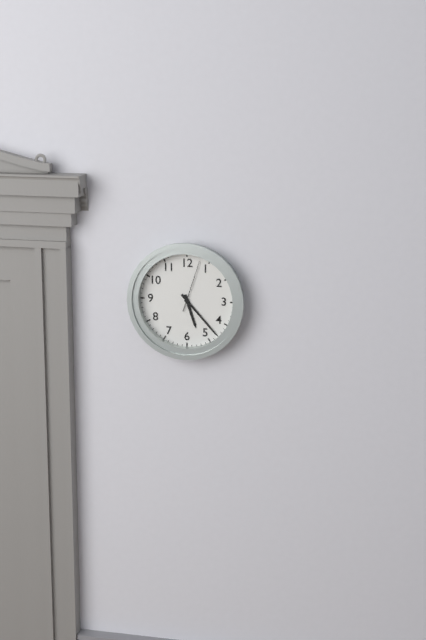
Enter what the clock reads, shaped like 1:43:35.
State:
5:23:03
